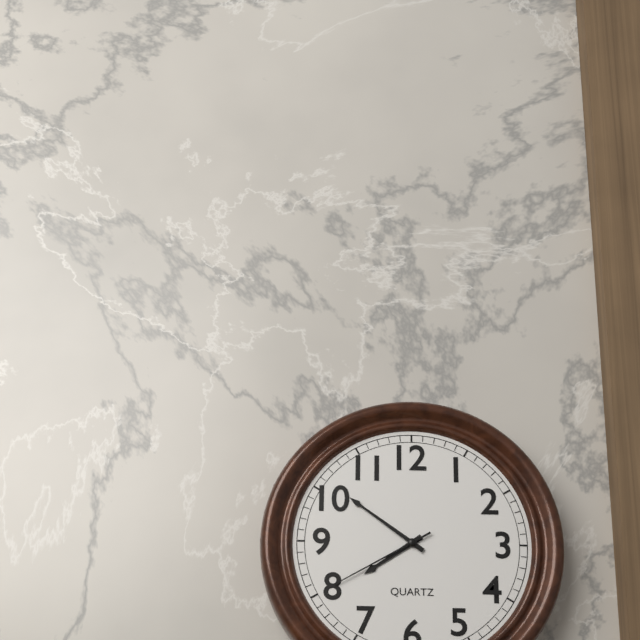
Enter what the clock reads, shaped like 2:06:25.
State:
7:51:40
